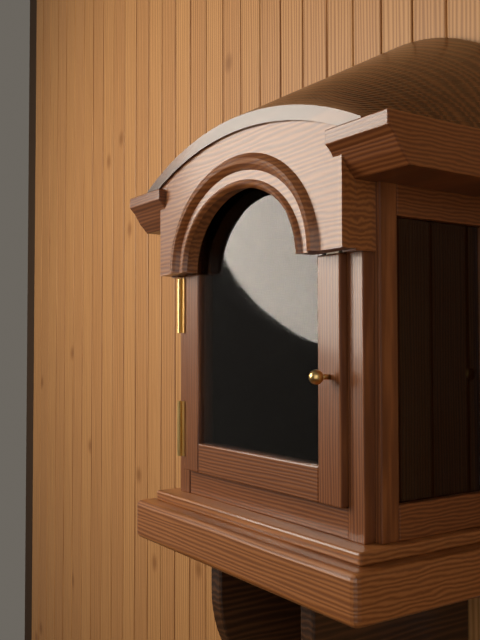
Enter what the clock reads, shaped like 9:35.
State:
4:57
